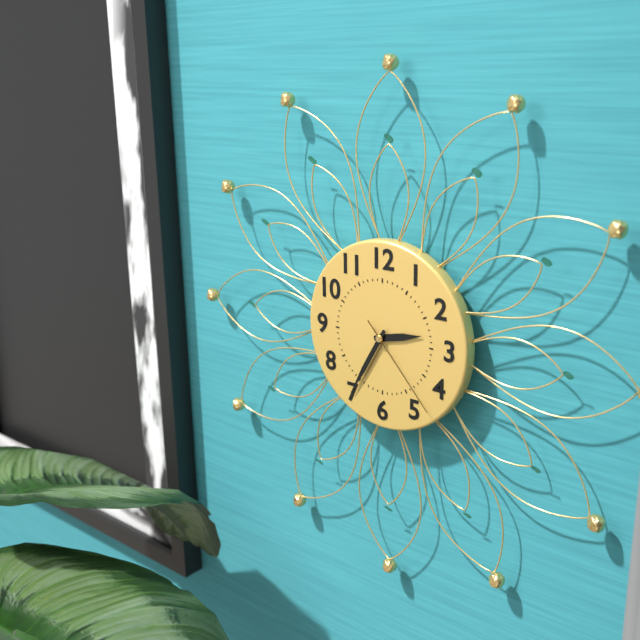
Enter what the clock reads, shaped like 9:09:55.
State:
2:35:23
